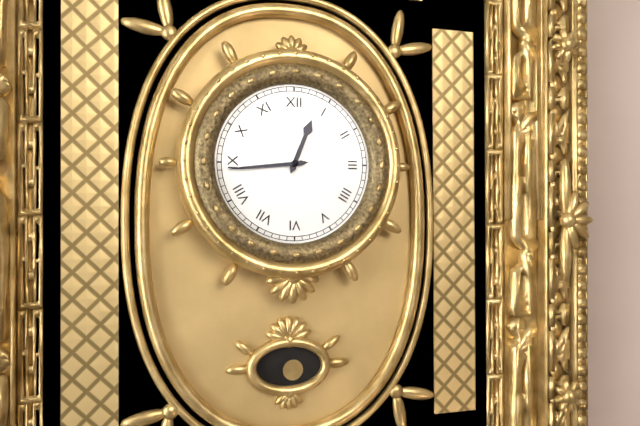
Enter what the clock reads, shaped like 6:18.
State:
12:44
